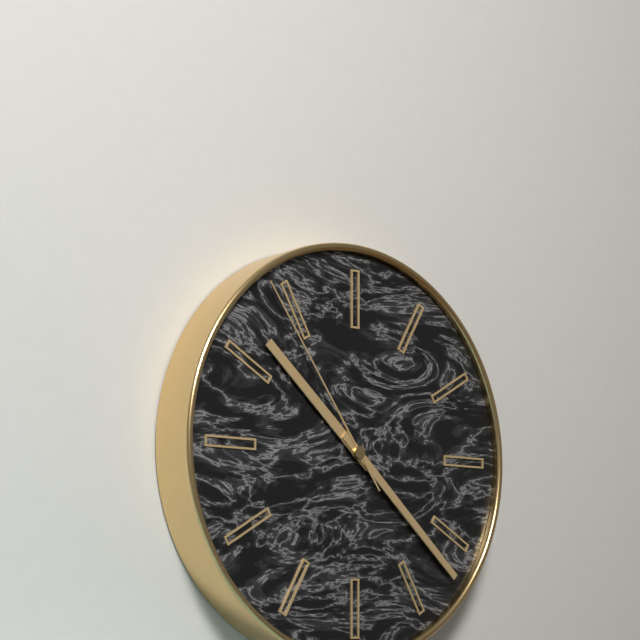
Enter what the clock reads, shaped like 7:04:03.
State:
10:22:54
